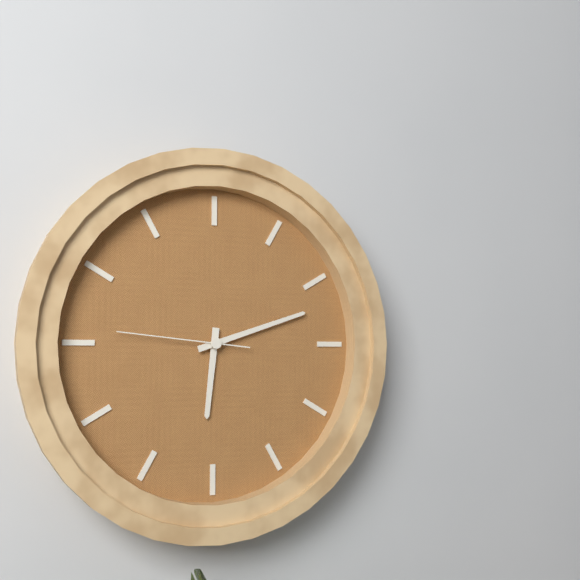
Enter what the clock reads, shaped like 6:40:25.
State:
6:12:46
